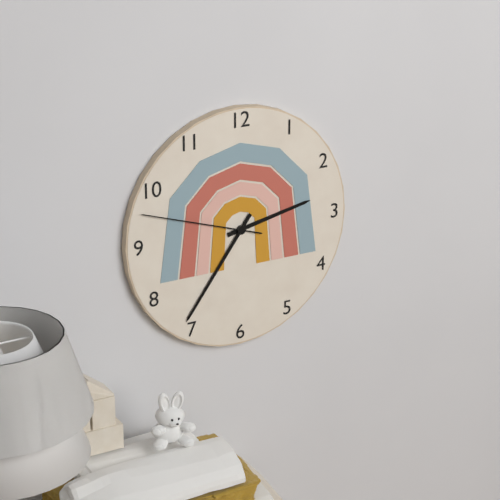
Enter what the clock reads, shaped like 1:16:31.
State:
2:36:48
